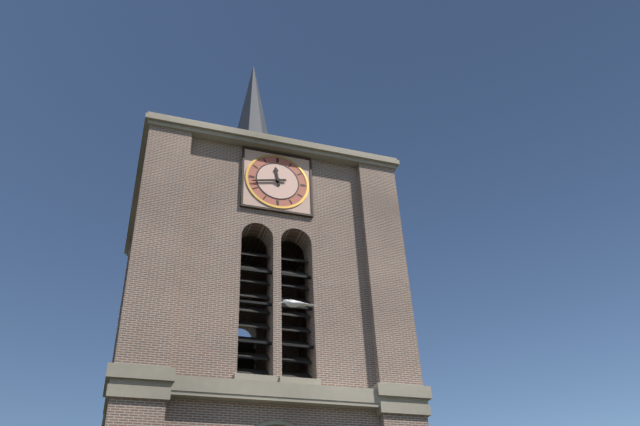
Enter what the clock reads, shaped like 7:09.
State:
11:43
